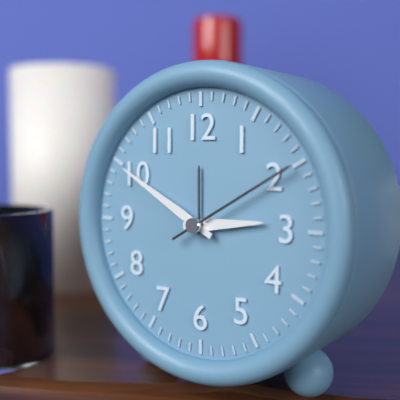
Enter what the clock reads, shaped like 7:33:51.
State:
2:50:10
